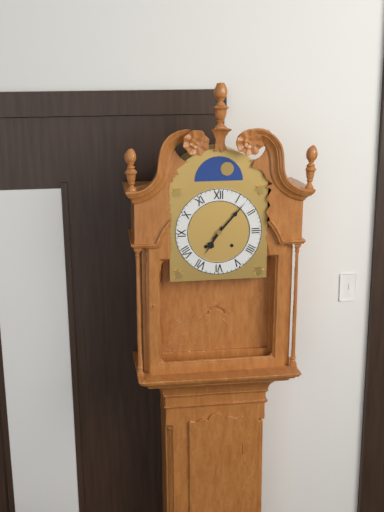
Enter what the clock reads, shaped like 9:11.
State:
7:07
